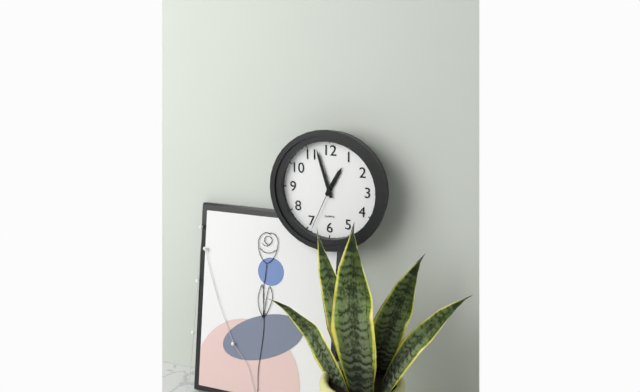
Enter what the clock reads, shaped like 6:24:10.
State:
12:57:34
